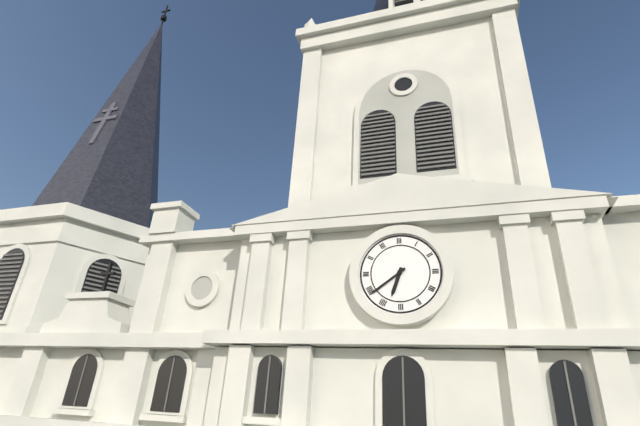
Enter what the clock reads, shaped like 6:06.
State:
6:39
